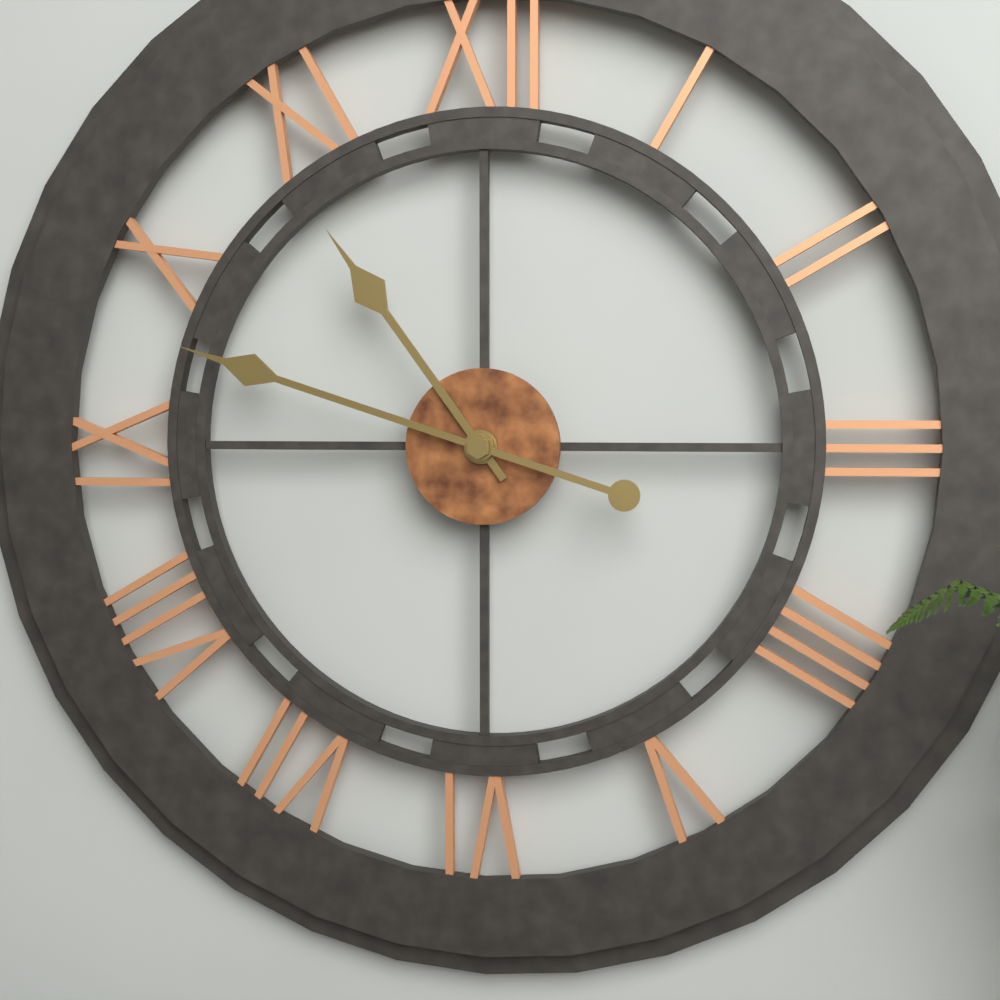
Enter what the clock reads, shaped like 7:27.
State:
10:48
